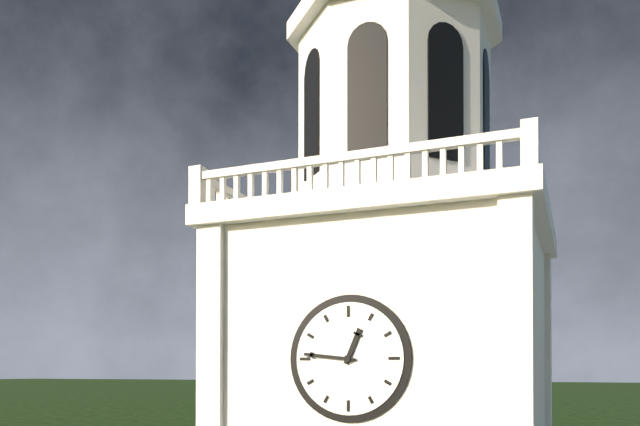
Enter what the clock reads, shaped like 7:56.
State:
12:46
